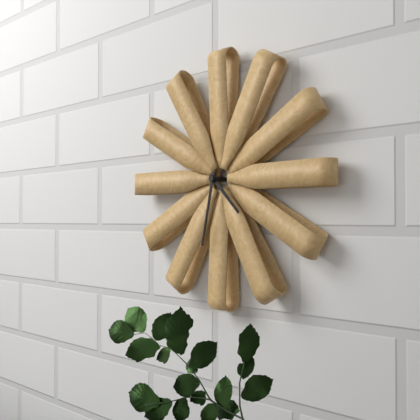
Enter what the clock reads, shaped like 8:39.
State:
4:32
